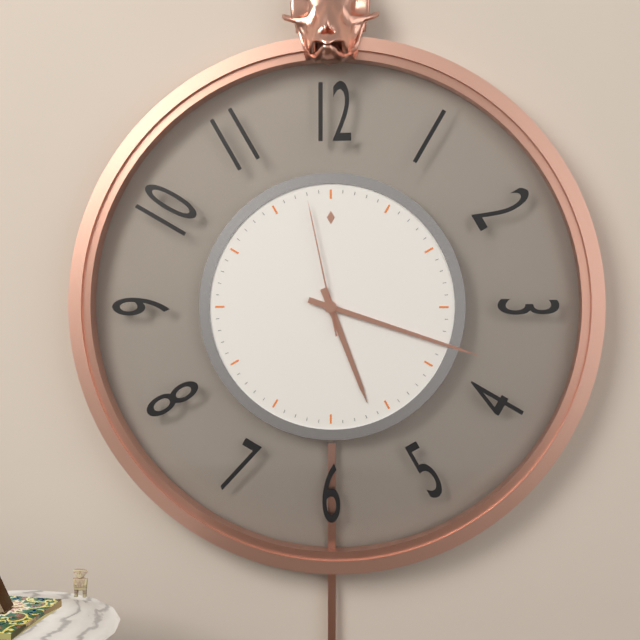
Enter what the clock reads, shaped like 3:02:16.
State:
5:18:58
